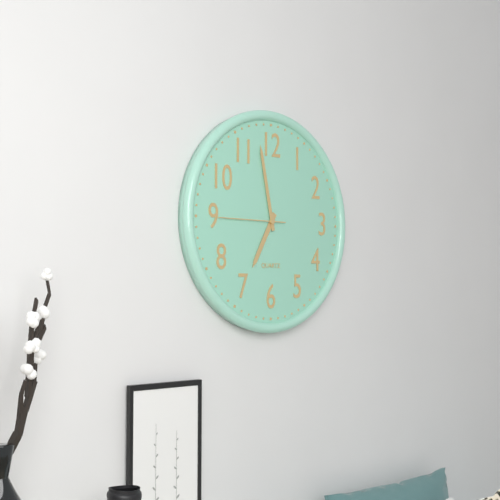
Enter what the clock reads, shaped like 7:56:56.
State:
6:58:45
